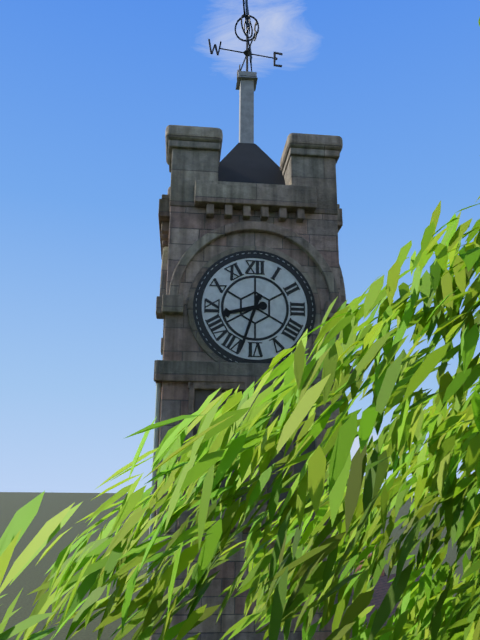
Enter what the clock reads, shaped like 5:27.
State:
8:33
